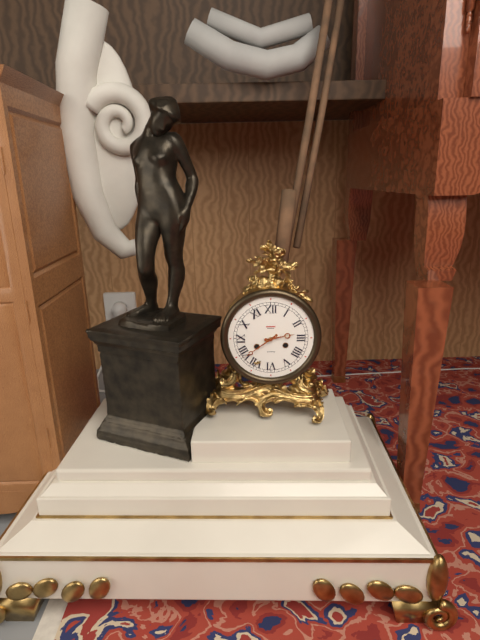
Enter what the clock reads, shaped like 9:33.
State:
2:39
